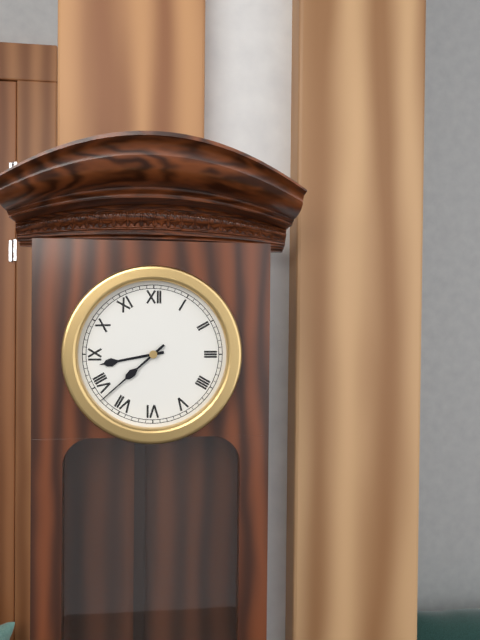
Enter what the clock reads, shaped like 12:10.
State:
8:38
